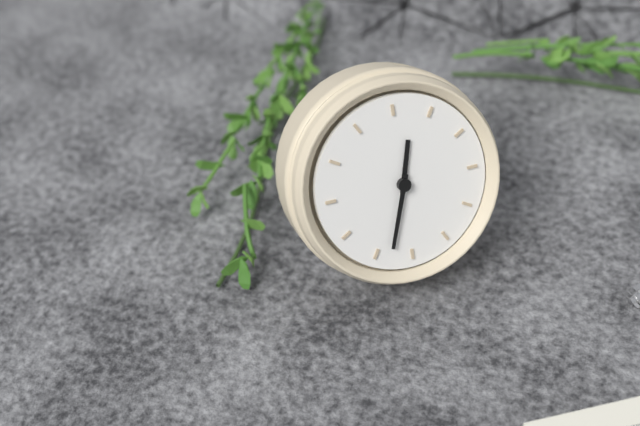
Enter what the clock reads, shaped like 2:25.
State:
11:28
